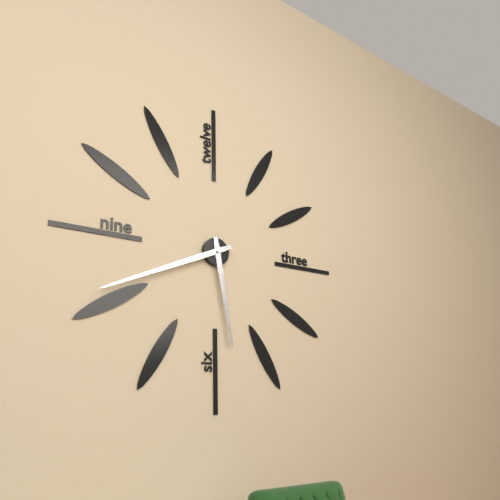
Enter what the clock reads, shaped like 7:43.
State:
5:41
